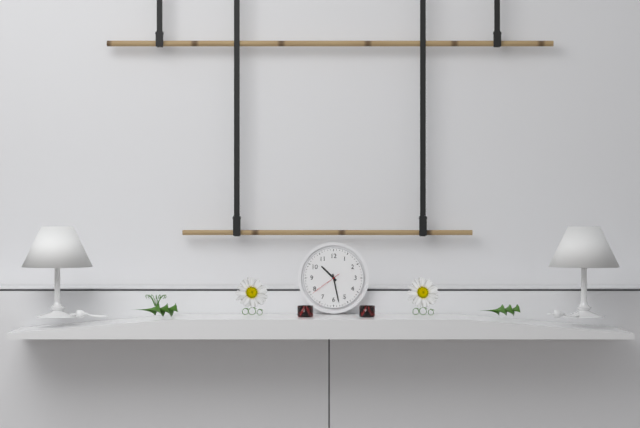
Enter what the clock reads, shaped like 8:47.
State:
10:28
